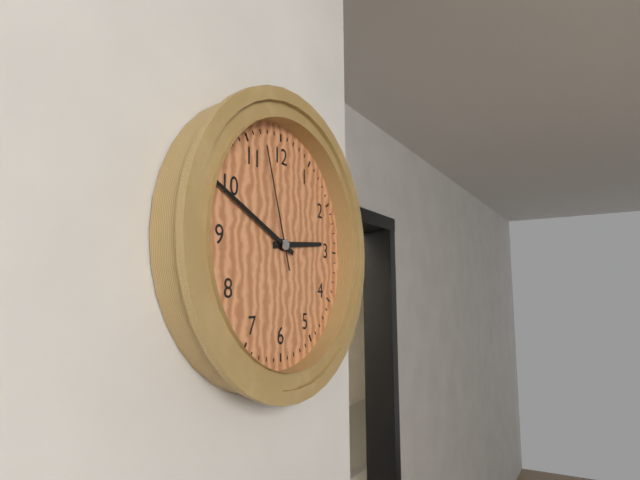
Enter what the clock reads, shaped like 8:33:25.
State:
2:49:57
